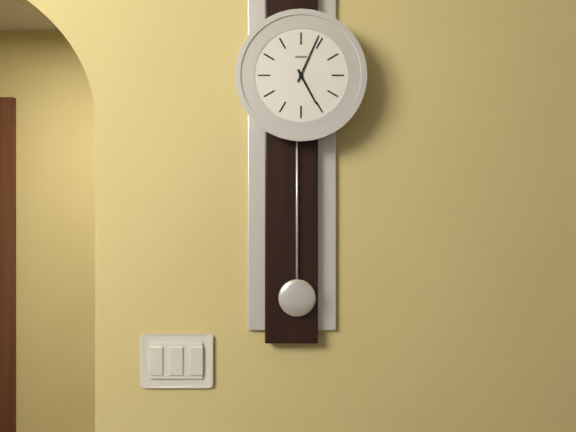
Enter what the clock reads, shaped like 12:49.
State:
5:04
